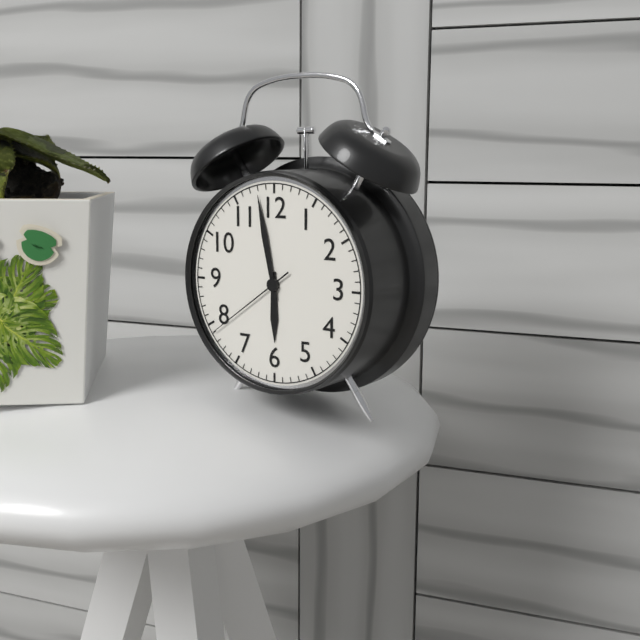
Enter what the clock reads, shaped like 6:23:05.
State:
5:58:39
